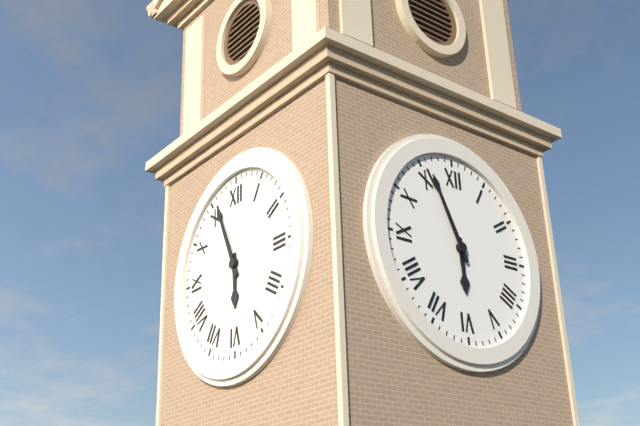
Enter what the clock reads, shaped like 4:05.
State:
5:56
